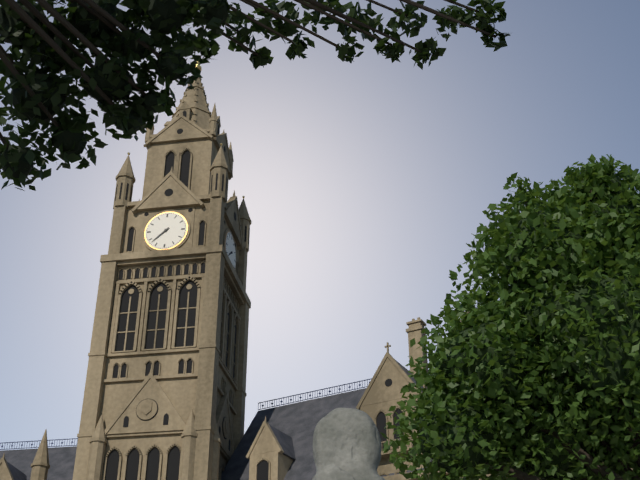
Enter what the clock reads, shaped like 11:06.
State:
7:38
